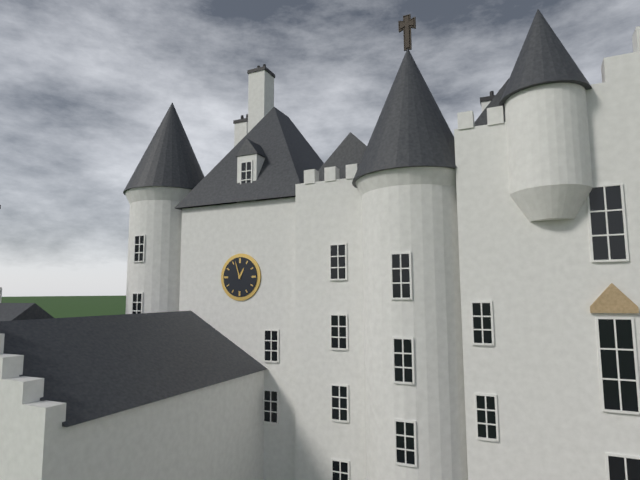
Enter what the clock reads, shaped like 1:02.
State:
12:57
